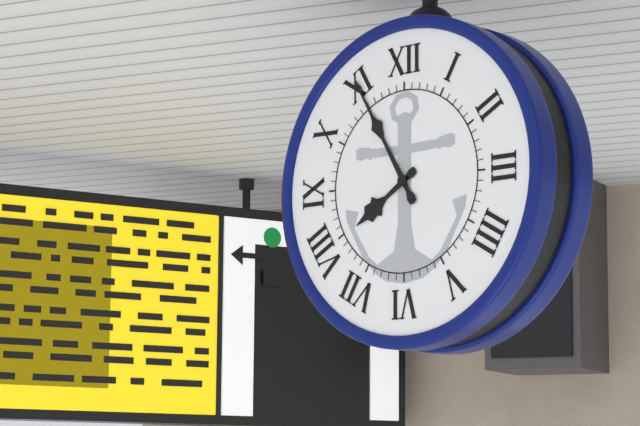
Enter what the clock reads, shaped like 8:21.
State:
7:55
